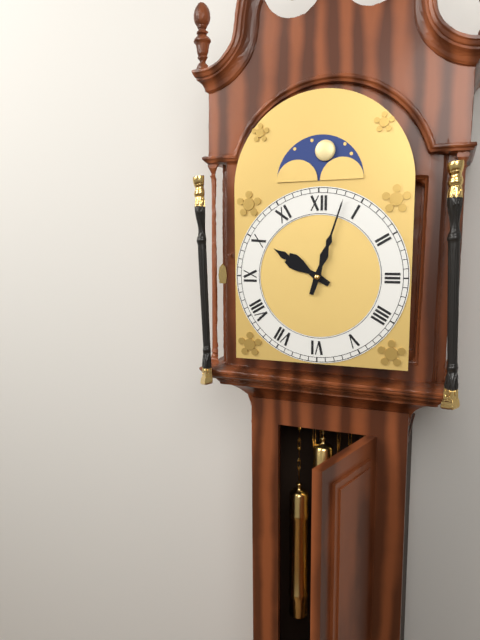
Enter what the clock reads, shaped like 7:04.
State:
10:03
